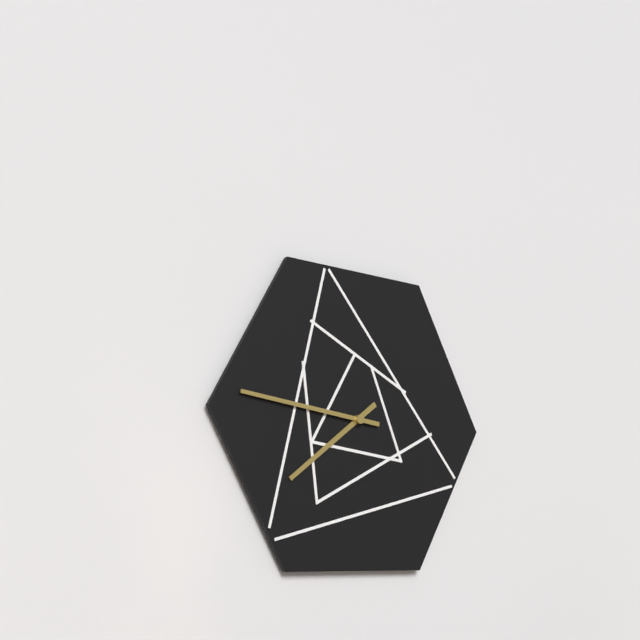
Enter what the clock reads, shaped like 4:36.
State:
7:46
